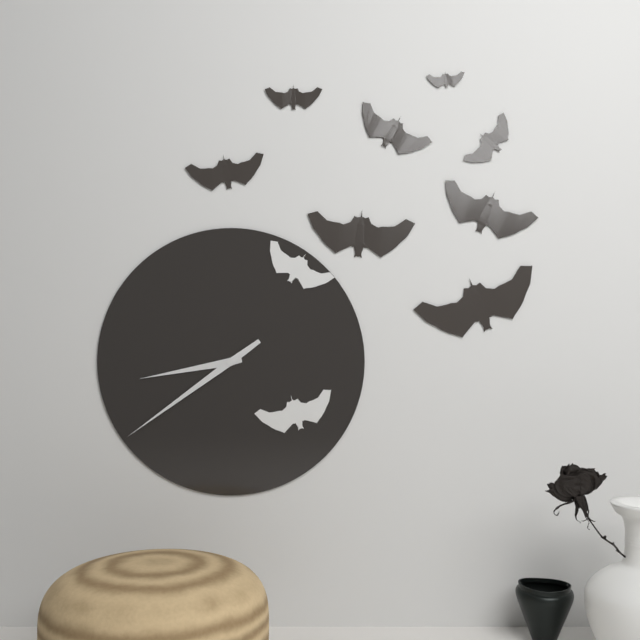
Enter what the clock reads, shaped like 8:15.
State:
8:39
